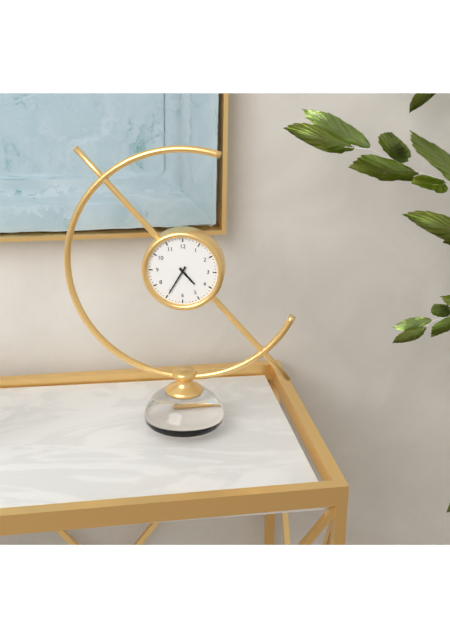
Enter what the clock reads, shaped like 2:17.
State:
4:35
